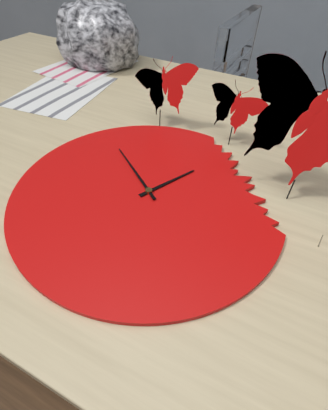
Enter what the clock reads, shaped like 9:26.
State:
12:51
